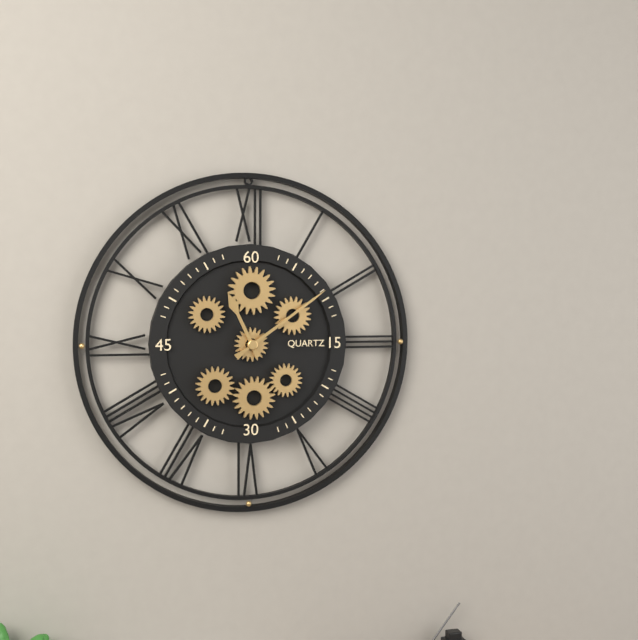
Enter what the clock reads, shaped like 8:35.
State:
11:09
